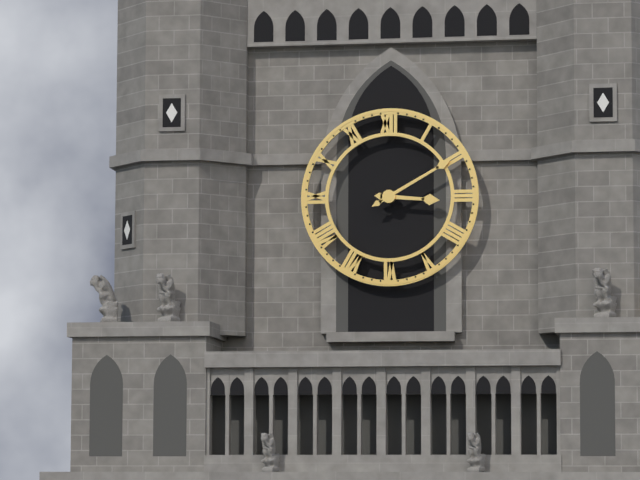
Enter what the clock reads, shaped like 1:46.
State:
3:10
